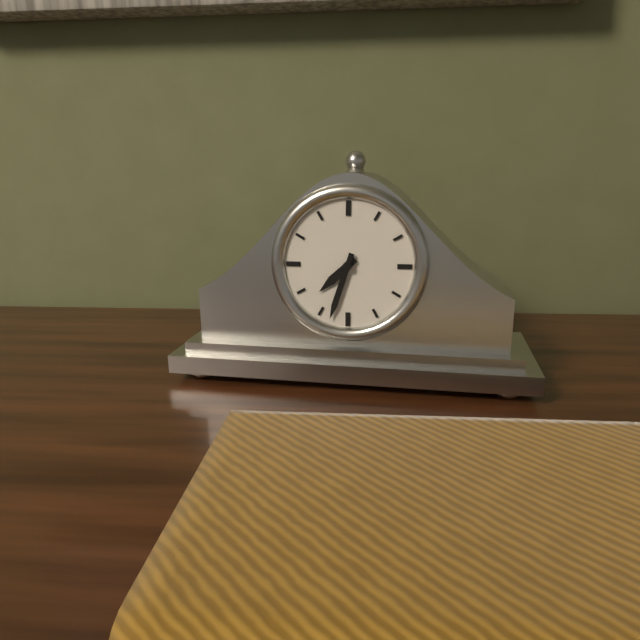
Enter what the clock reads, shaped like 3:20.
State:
7:33
